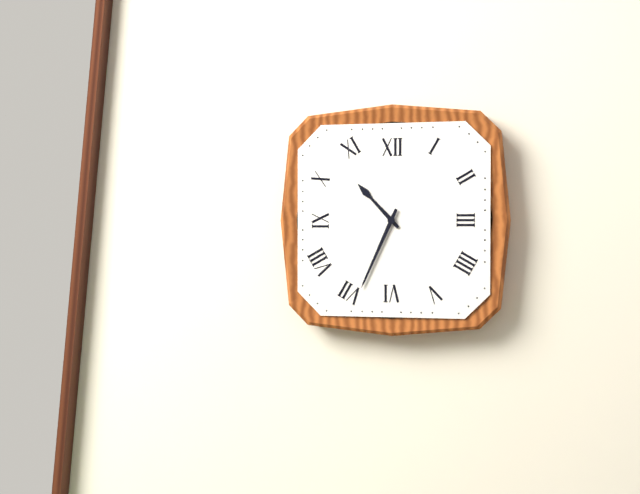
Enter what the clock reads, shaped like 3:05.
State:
10:34
